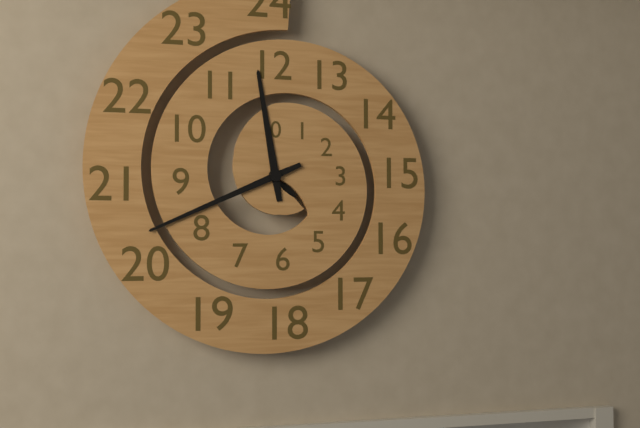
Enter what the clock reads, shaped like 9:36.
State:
11:41
